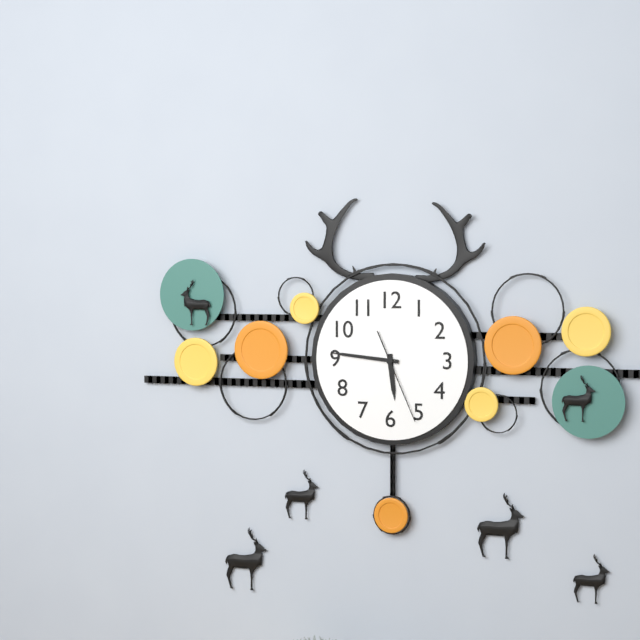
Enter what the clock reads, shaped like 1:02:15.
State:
5:46:26
